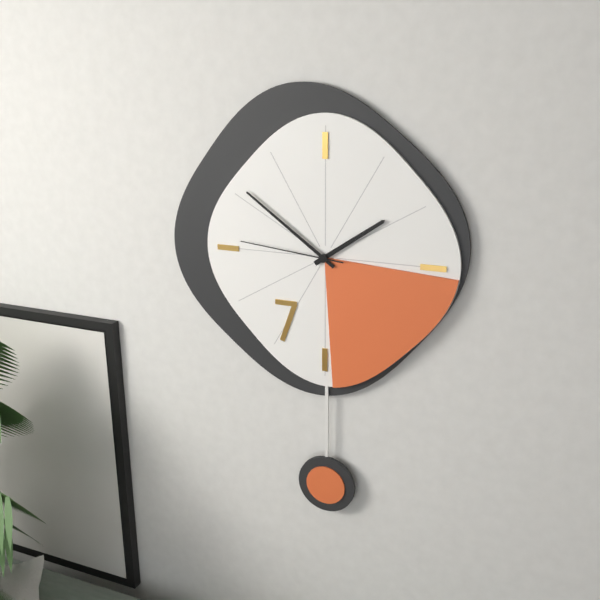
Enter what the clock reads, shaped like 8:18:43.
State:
1:51:46
